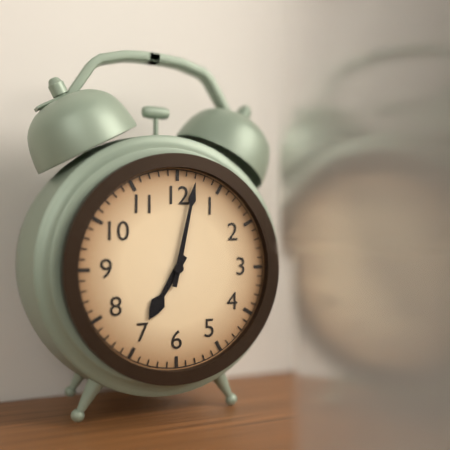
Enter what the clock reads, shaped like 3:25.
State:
7:02
